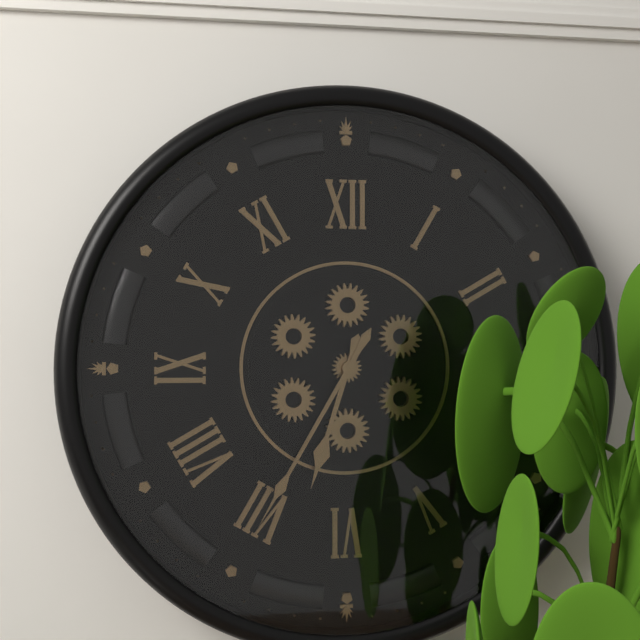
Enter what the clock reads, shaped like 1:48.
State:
6:35
